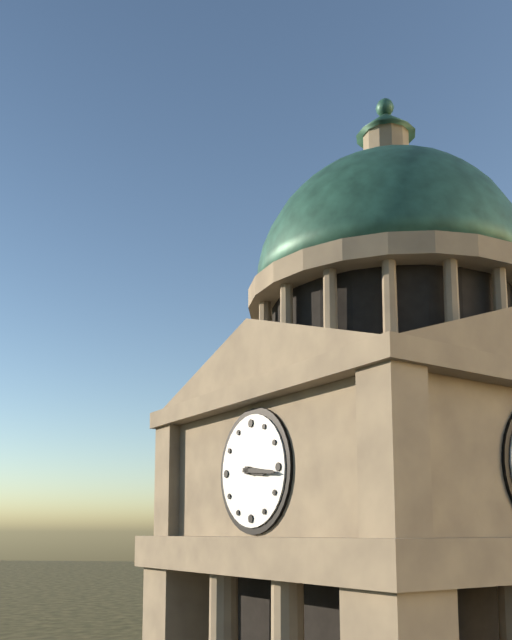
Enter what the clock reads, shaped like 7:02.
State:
3:16
